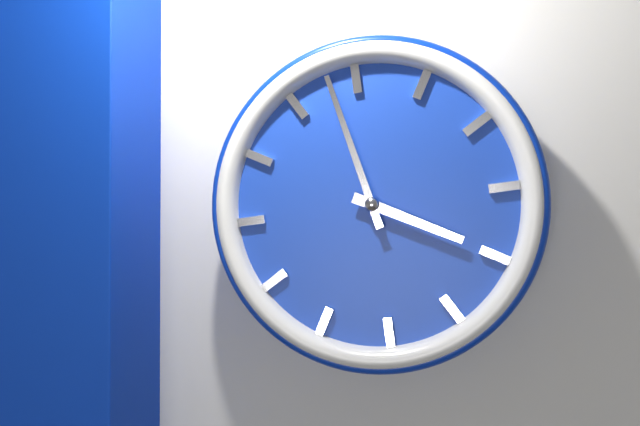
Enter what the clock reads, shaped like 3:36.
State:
3:58
